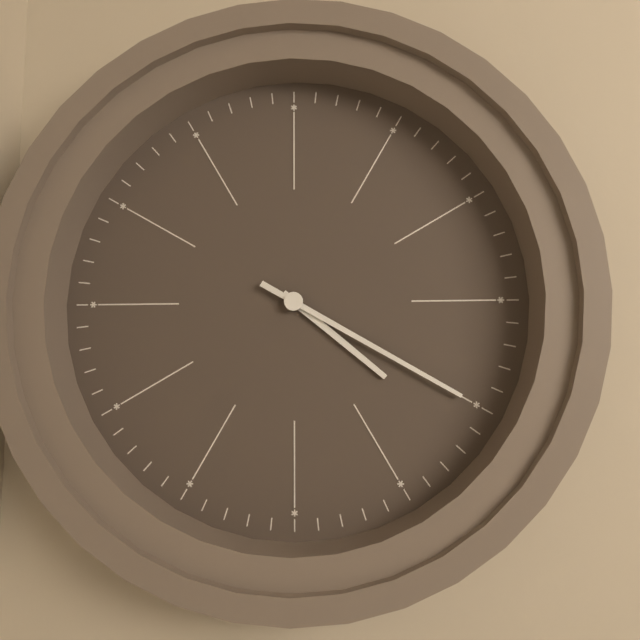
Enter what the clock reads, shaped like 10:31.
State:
4:20
